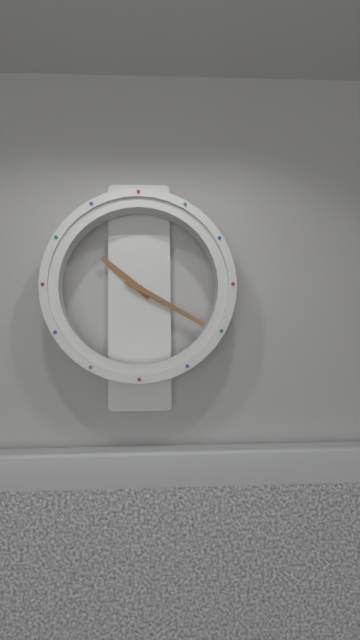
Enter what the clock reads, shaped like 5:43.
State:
10:20
